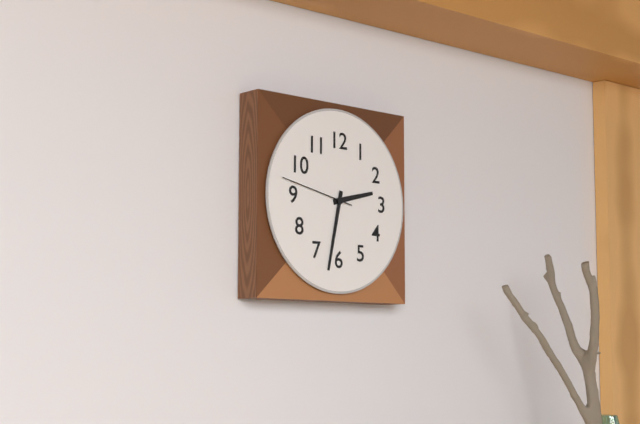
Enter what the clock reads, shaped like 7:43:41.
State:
2:32:47
